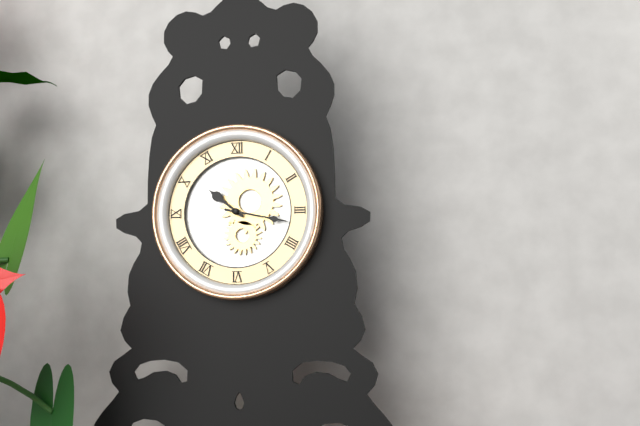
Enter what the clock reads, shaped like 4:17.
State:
10:17
